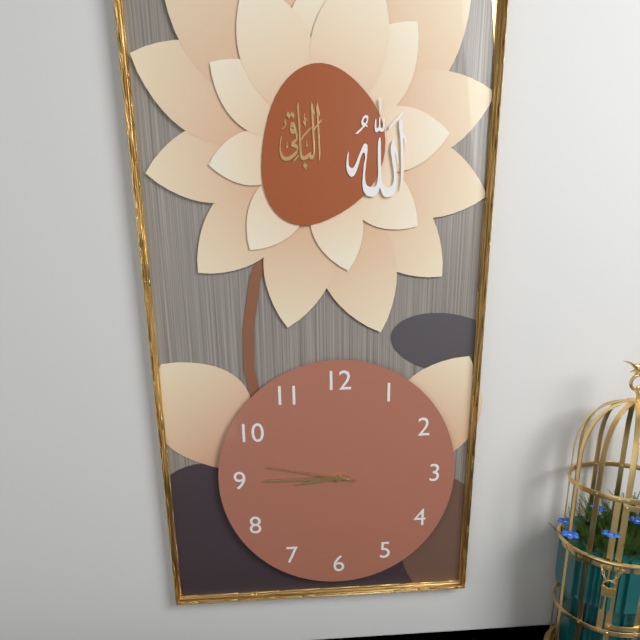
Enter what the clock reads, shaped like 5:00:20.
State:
8:45:47
